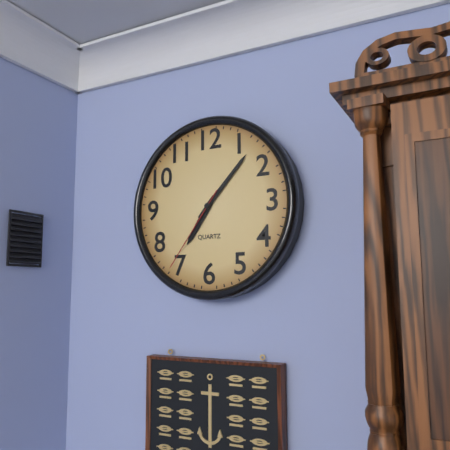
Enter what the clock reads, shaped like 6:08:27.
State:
7:07:36
